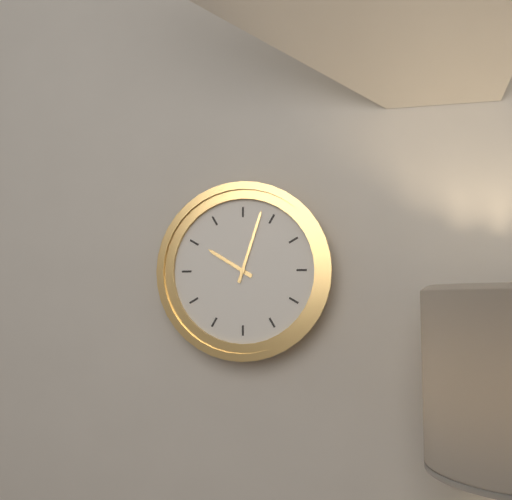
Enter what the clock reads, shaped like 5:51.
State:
10:03
